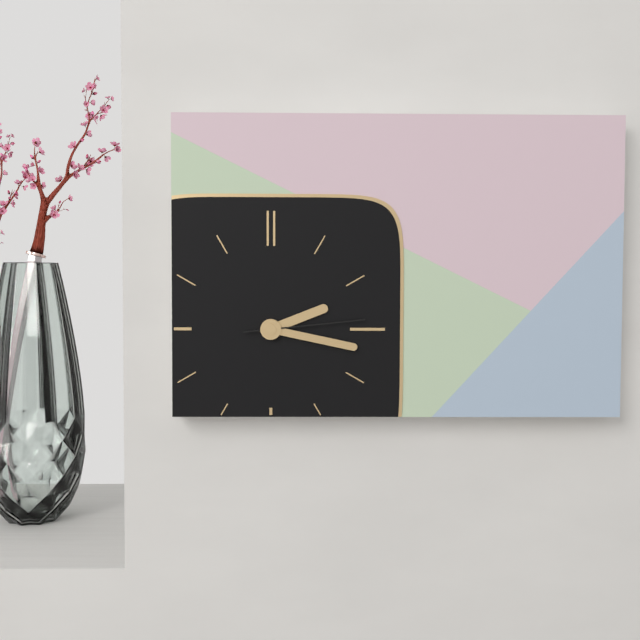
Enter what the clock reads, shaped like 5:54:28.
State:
2:17:14
